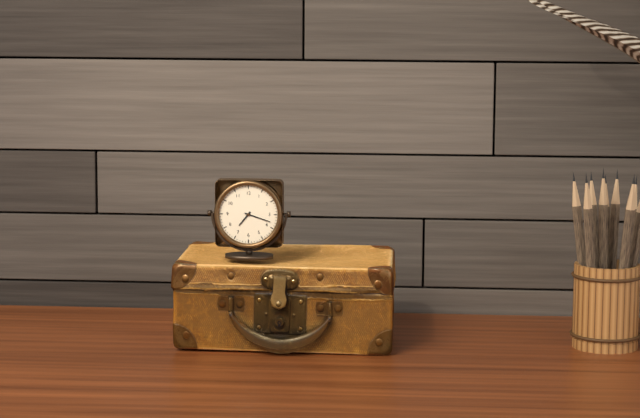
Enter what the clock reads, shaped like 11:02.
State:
7:18
